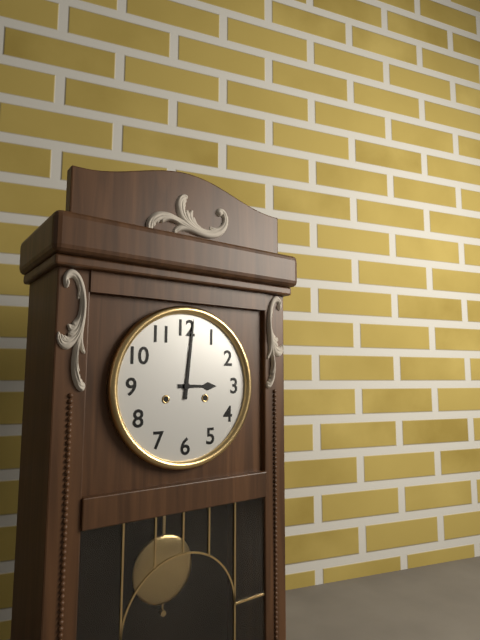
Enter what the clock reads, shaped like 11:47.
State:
3:01
